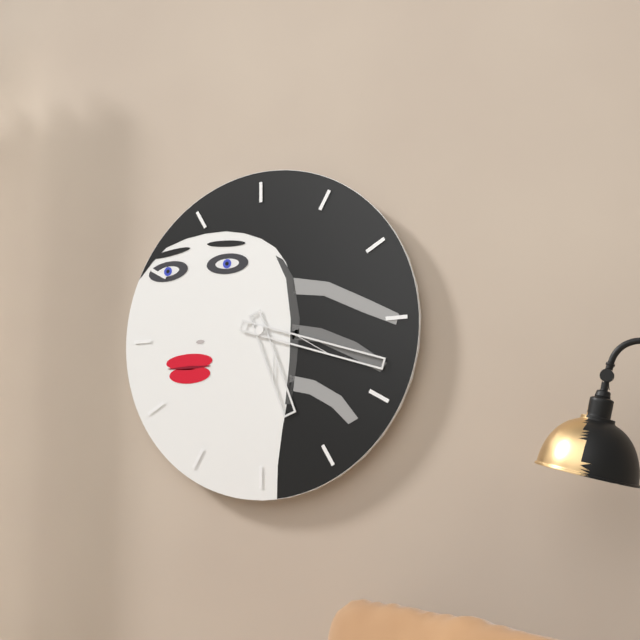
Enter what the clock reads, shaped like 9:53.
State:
5:18
